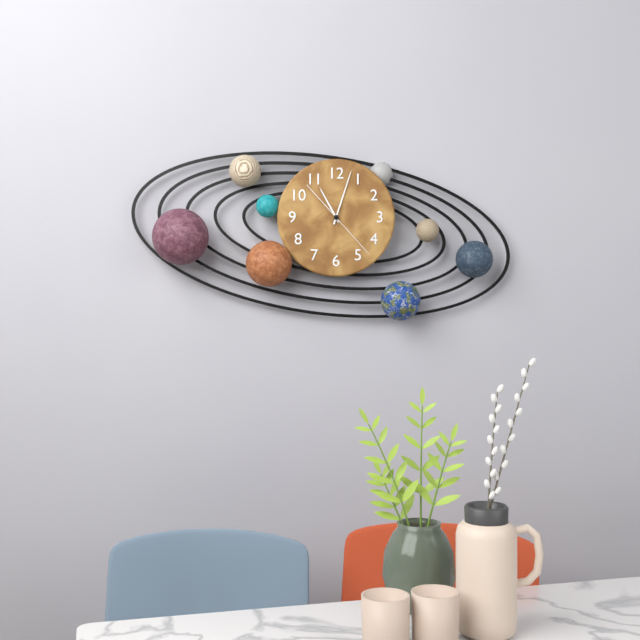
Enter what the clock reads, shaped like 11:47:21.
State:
11:03:23
